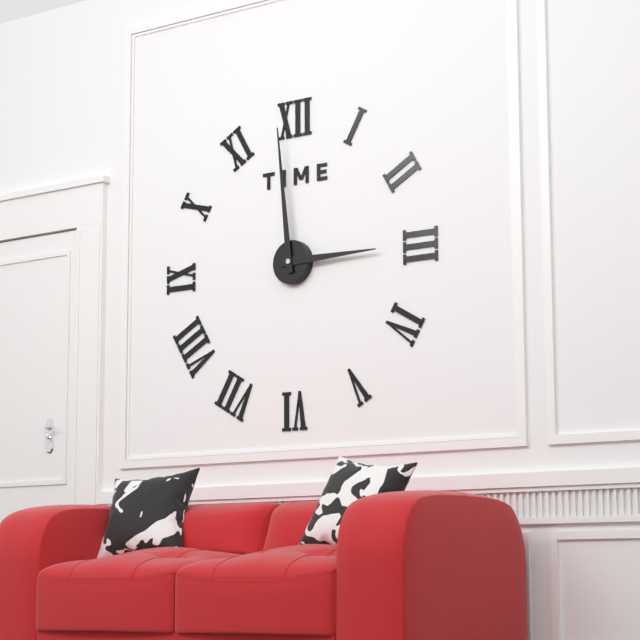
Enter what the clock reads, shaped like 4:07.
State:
2:59
